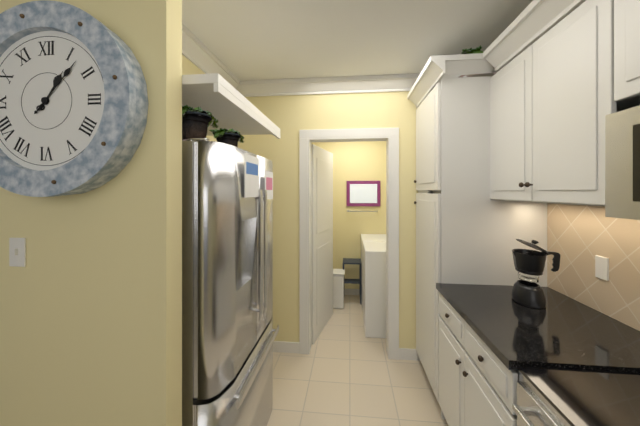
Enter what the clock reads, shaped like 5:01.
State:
1:07
